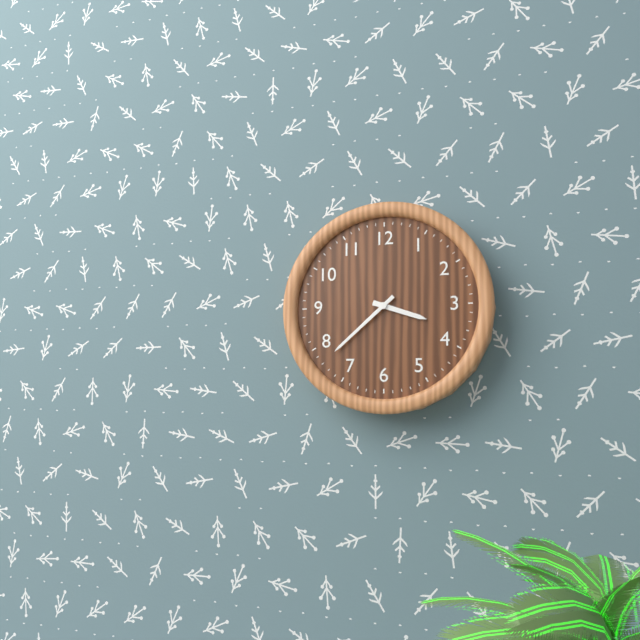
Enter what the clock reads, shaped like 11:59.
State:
3:38
